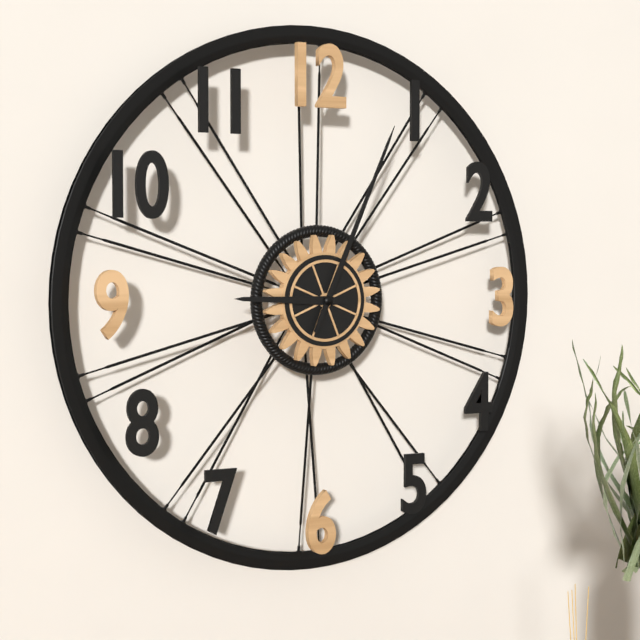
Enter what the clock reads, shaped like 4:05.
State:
9:04
